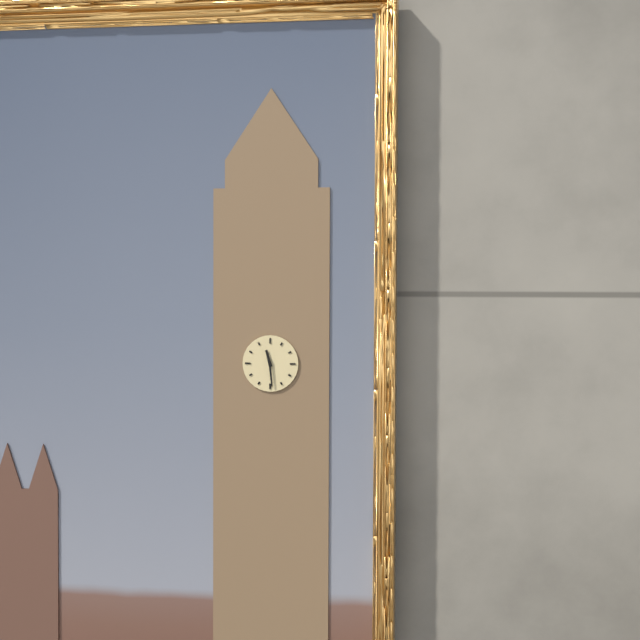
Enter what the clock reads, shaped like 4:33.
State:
11:29
